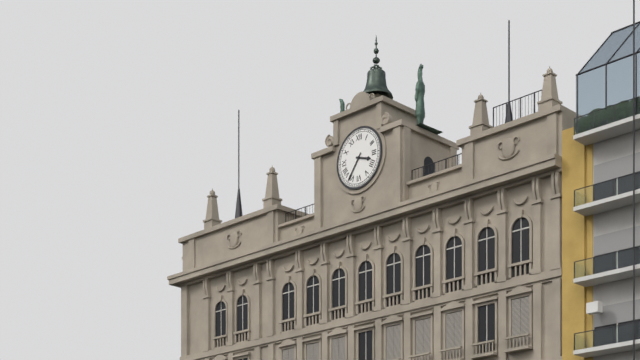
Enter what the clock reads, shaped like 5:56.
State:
3:36
